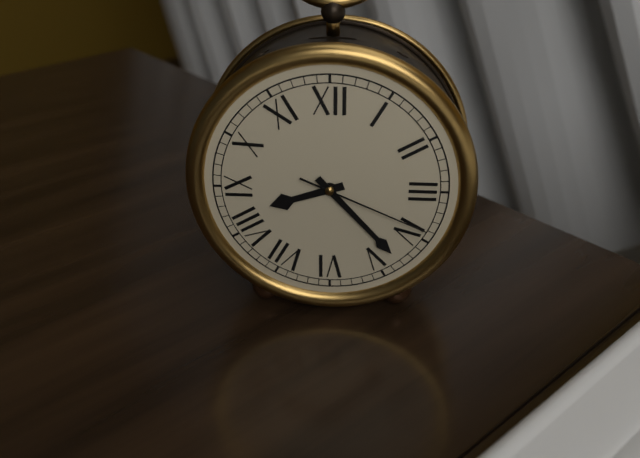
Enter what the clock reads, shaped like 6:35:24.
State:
8:23:19
